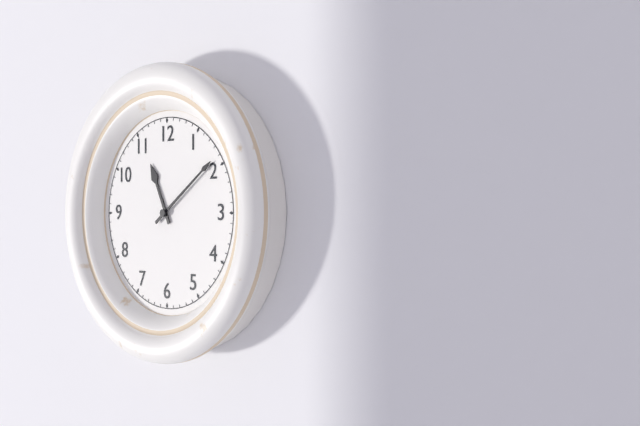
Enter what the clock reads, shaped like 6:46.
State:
11:09
